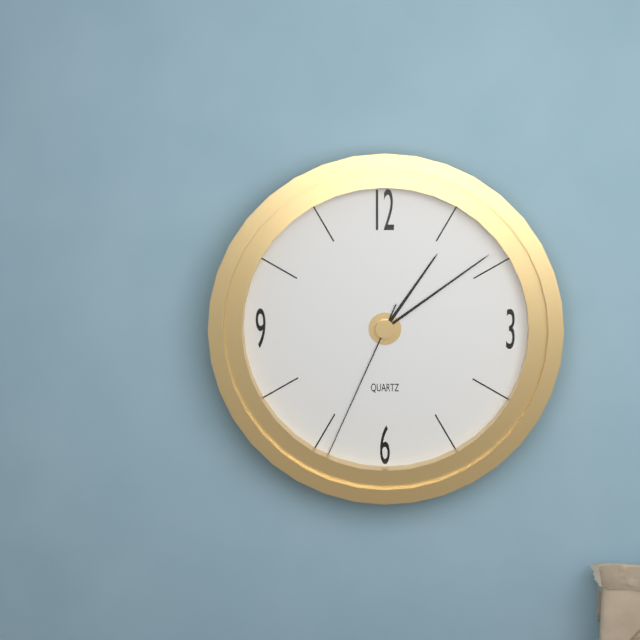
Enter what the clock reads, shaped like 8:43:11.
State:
1:09:34
